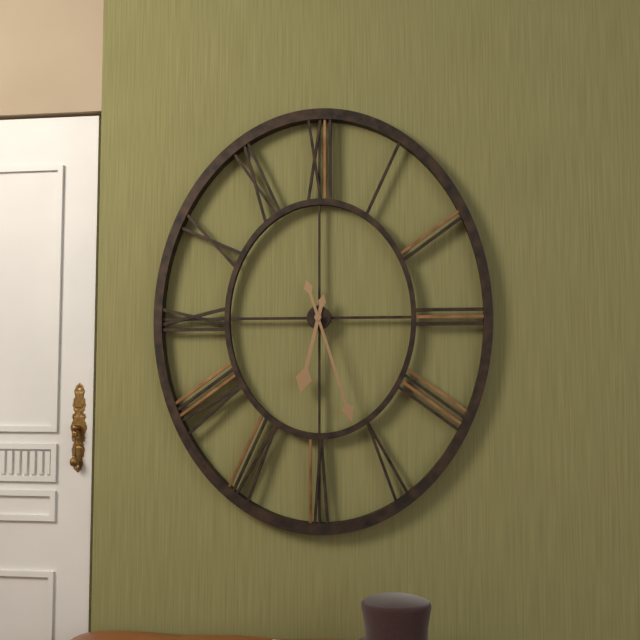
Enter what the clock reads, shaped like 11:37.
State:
6:27
